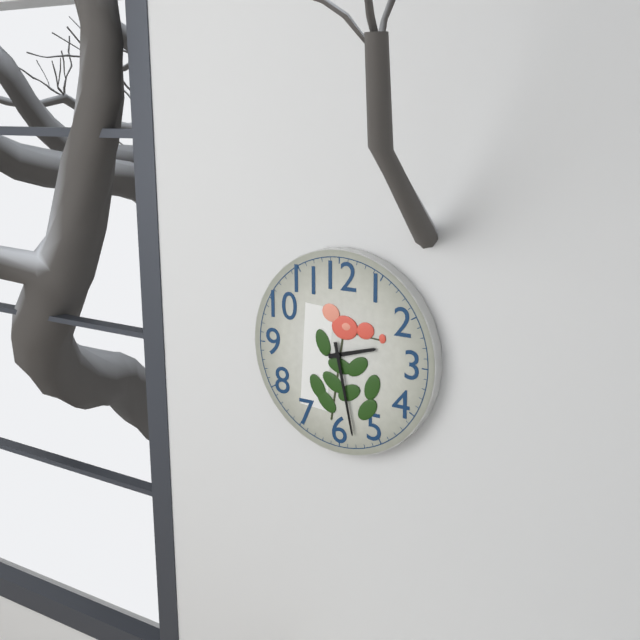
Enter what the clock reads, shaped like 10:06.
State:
2:28
